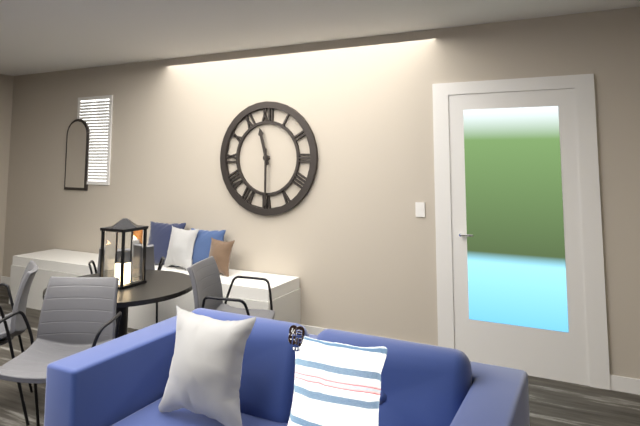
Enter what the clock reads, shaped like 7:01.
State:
11:30
